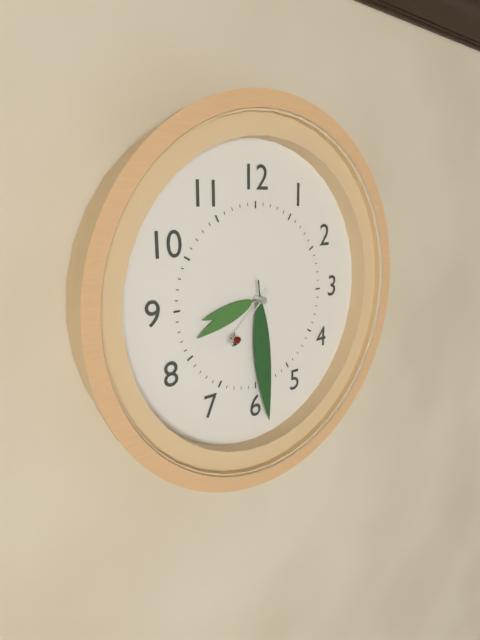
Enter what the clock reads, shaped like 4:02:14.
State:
8:29:38
